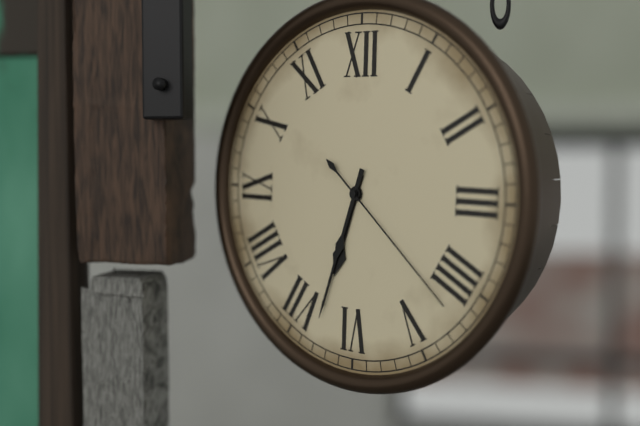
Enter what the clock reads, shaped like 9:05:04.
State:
6:33:22
